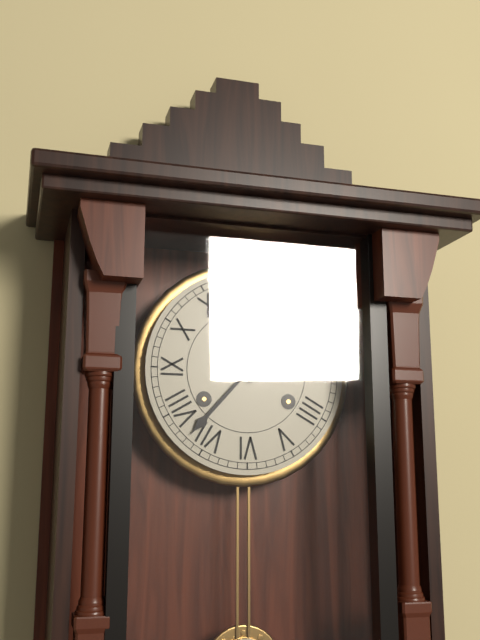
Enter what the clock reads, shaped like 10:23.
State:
11:37
